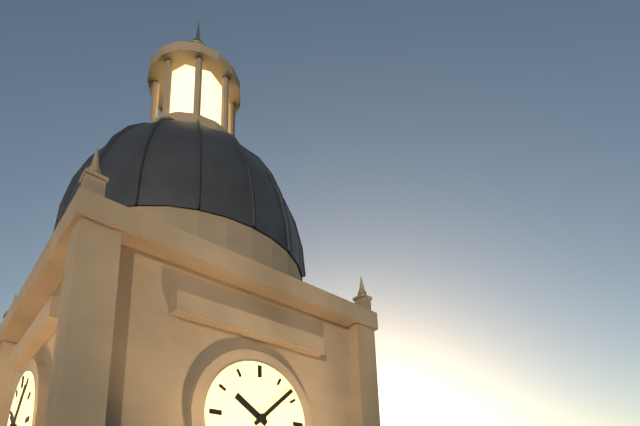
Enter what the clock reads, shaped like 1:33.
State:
10:08
